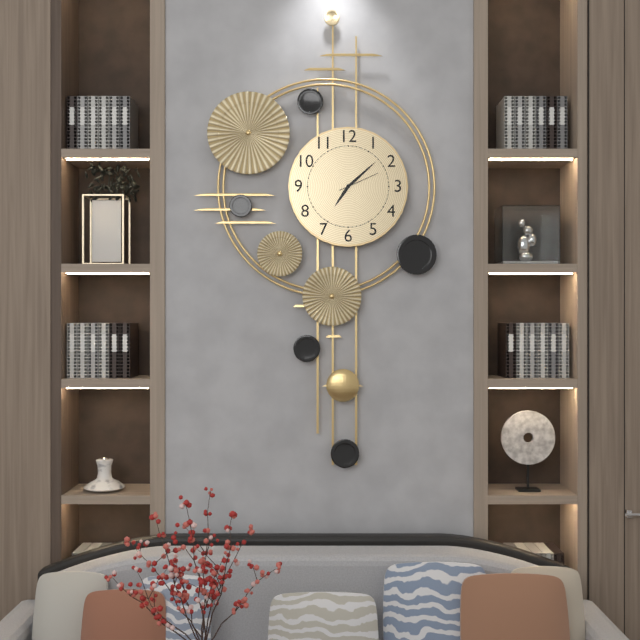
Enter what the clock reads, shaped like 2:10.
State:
7:08
